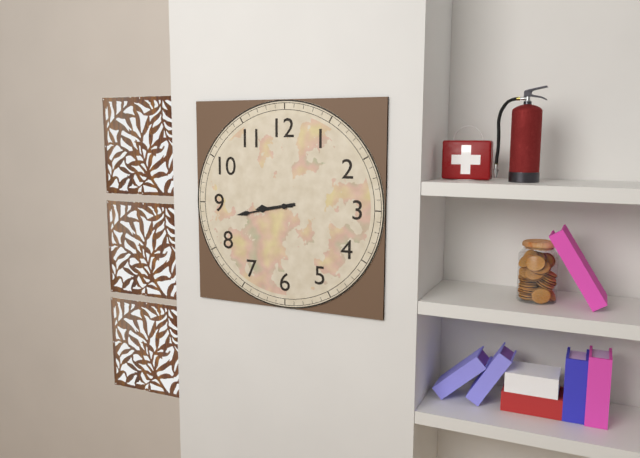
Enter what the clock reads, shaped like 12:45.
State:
8:43
